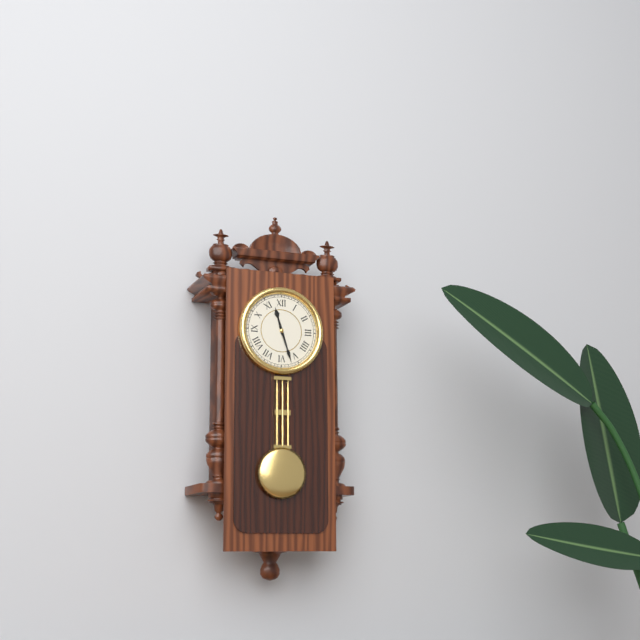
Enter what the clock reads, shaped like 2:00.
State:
11:27
